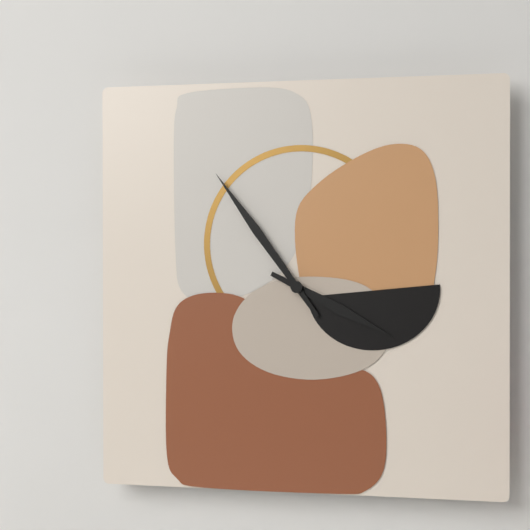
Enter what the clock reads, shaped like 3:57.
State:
3:54
